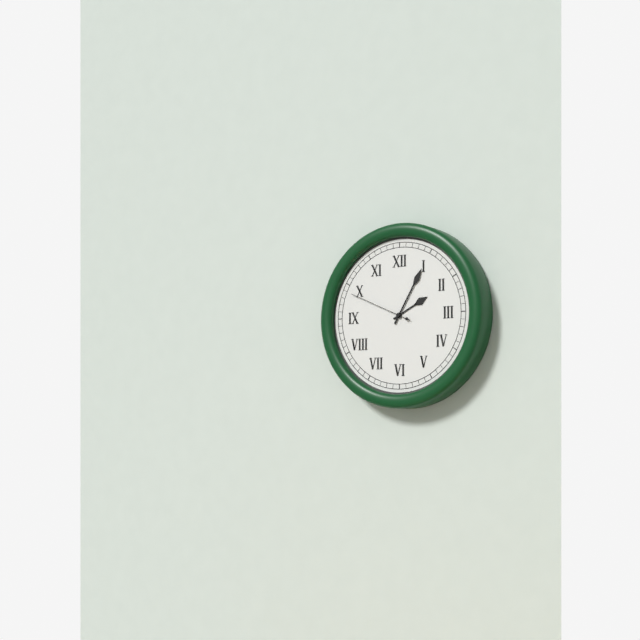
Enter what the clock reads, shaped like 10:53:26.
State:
2:05:49
